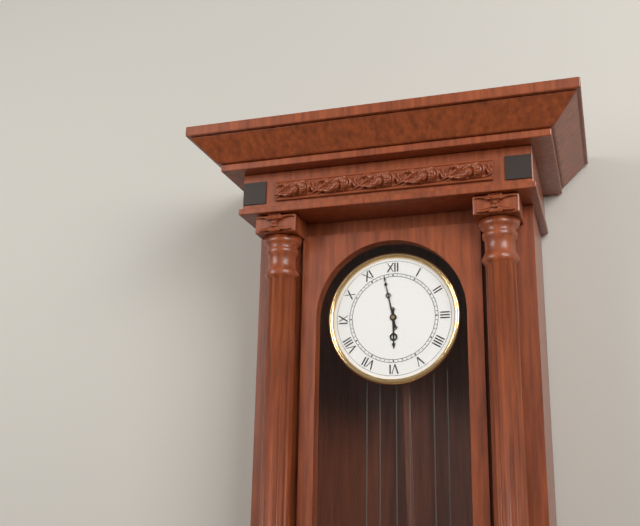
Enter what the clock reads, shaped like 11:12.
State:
5:58
